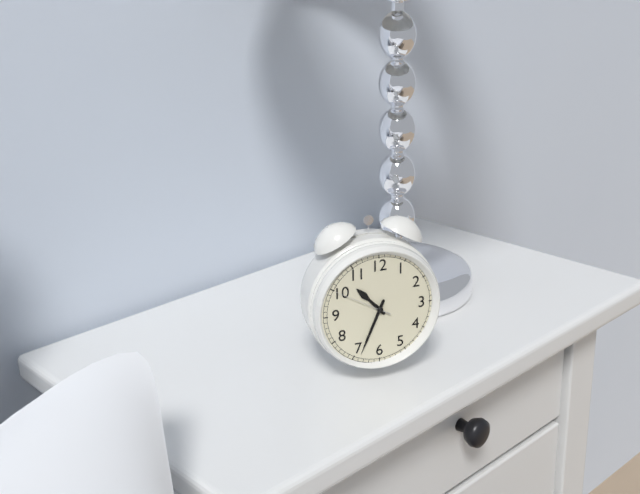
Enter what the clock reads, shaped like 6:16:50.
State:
10:34:50
